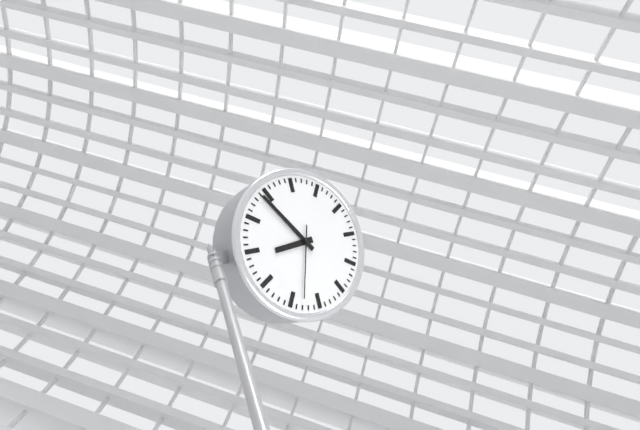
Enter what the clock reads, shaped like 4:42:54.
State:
7:49:28
